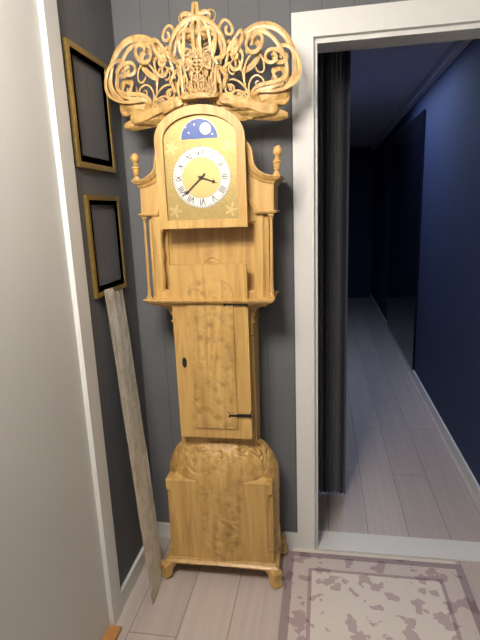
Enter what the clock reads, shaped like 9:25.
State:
3:38
